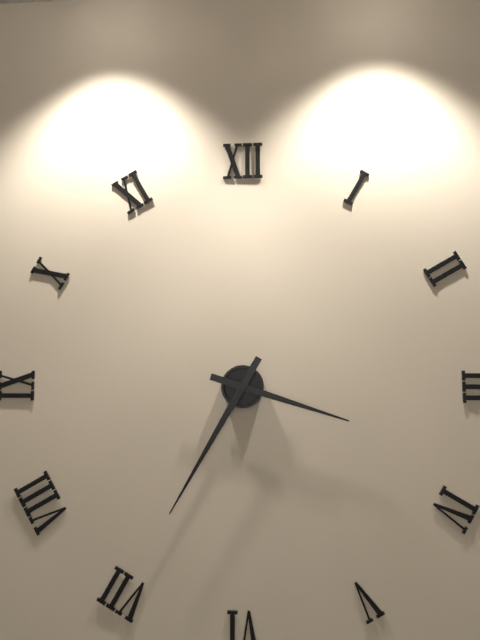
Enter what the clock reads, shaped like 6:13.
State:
3:35
